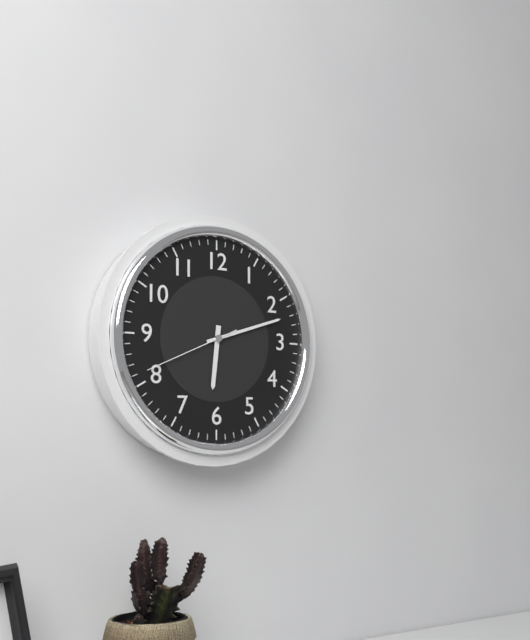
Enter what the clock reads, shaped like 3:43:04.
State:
6:12:41
